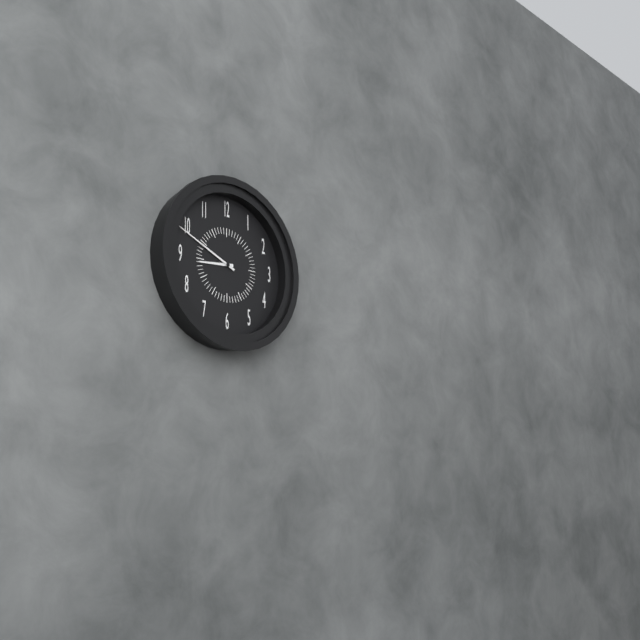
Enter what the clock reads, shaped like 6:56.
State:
8:49
